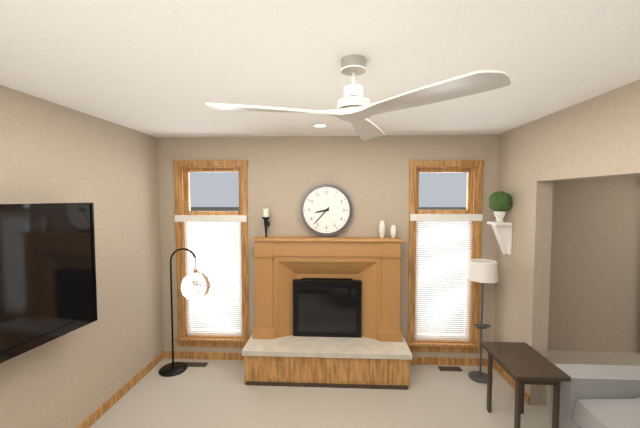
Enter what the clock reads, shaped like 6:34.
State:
8:37
